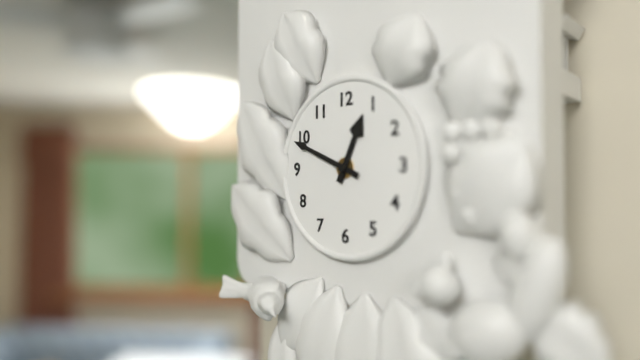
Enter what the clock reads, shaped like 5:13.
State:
12:49
